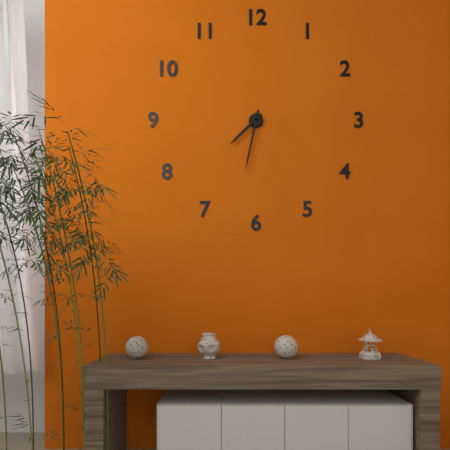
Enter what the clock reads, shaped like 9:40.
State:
7:32
